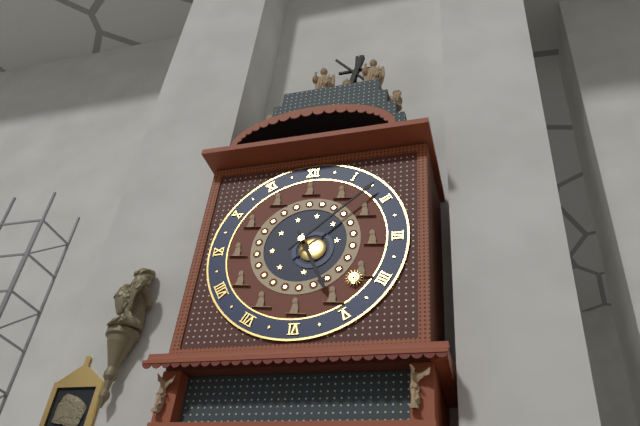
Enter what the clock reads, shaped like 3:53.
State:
5:08
